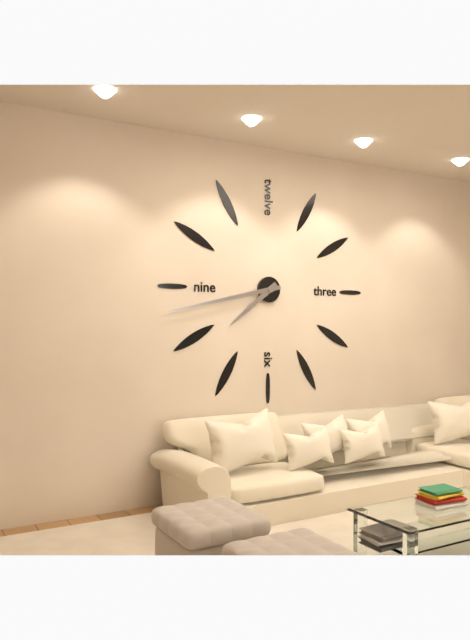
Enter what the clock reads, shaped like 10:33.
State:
7:43
